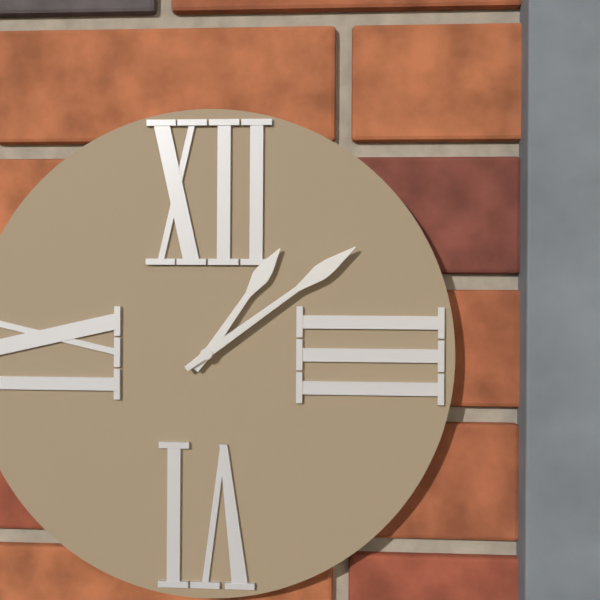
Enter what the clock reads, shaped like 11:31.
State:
1:09
